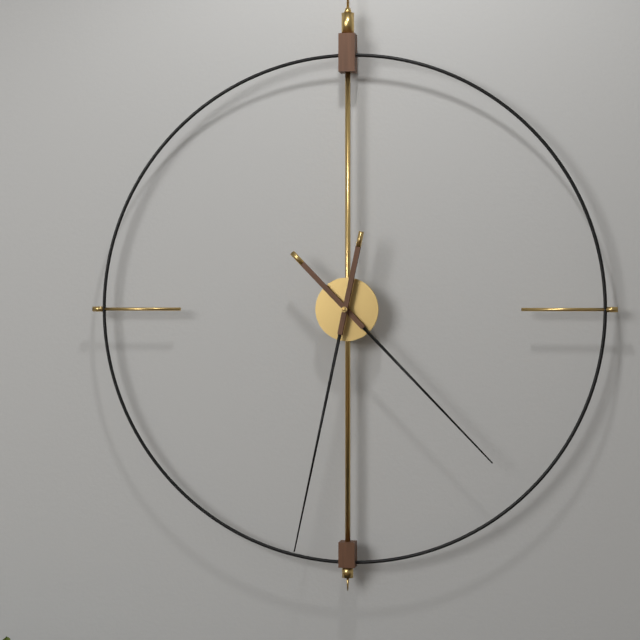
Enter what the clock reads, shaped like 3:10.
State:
4:32
